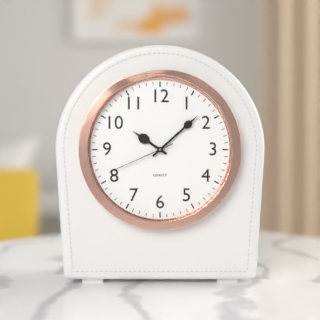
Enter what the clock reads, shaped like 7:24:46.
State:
10:08:41
